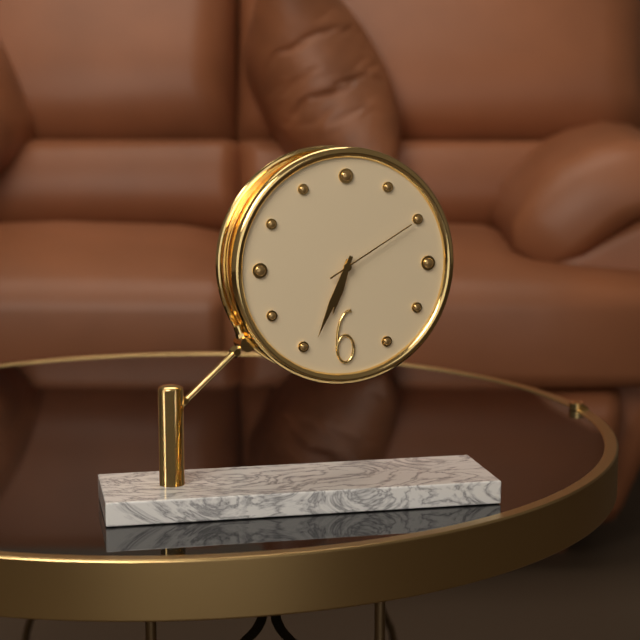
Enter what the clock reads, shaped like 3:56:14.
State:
6:34:10
